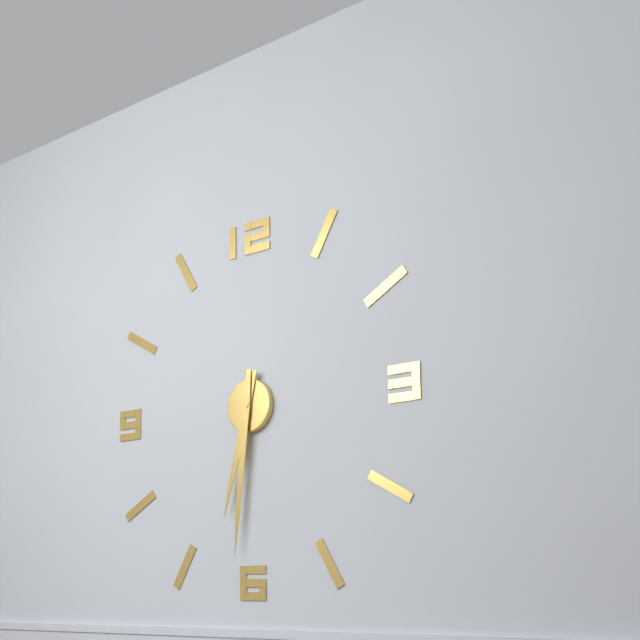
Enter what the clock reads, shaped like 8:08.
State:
6:31
